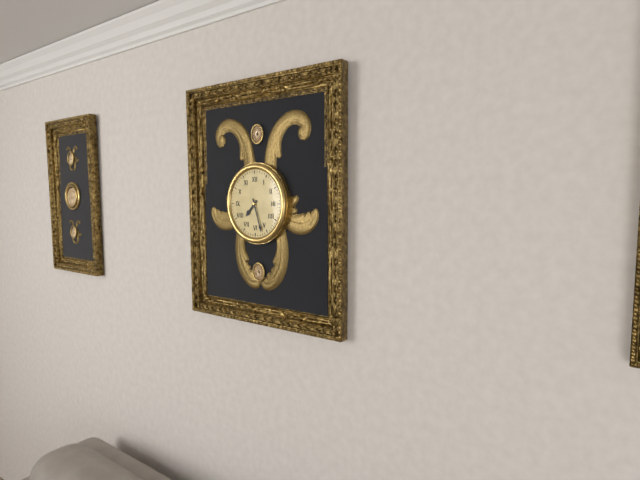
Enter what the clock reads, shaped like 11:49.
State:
7:27
